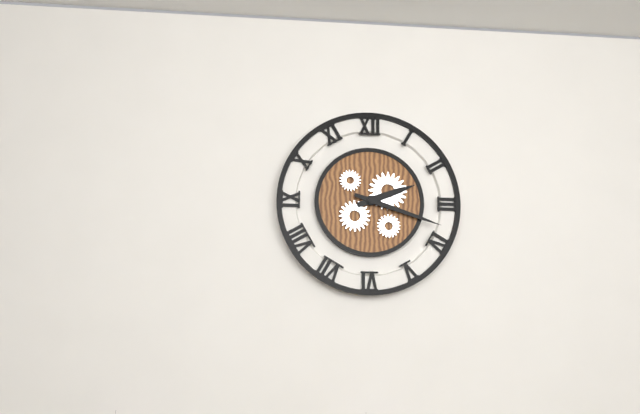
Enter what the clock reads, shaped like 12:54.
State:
2:18
